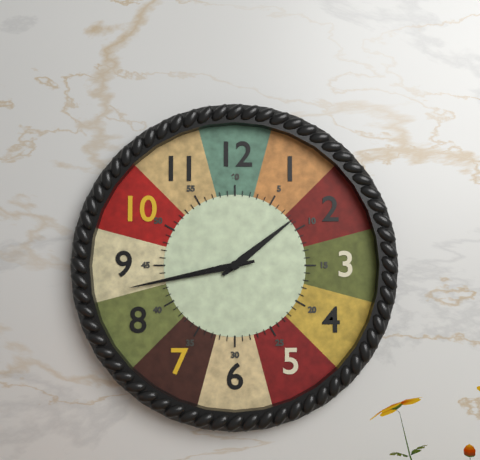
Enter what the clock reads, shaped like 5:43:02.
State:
1:43:43
